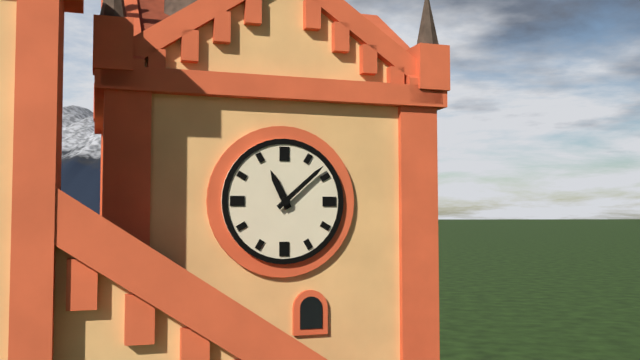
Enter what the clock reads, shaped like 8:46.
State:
11:08
